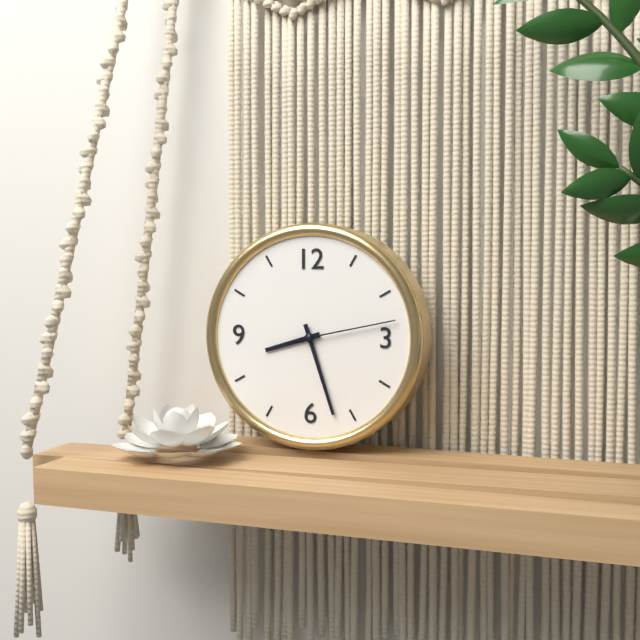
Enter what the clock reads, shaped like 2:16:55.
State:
8:27:13
